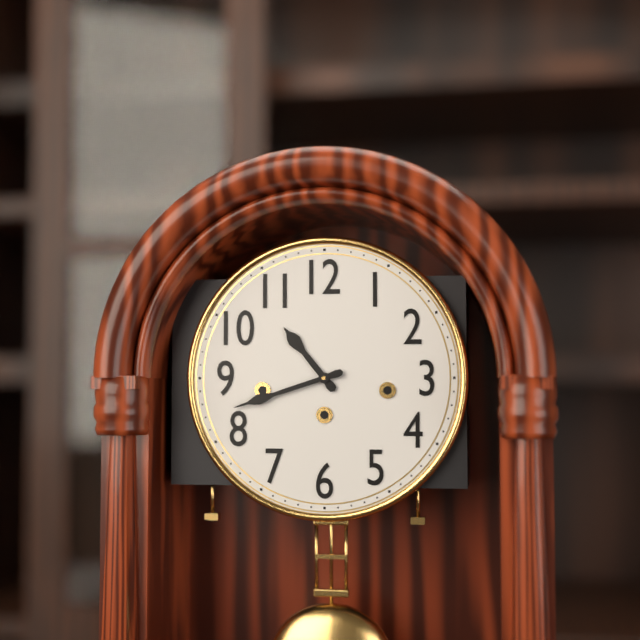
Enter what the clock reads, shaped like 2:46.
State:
10:42
